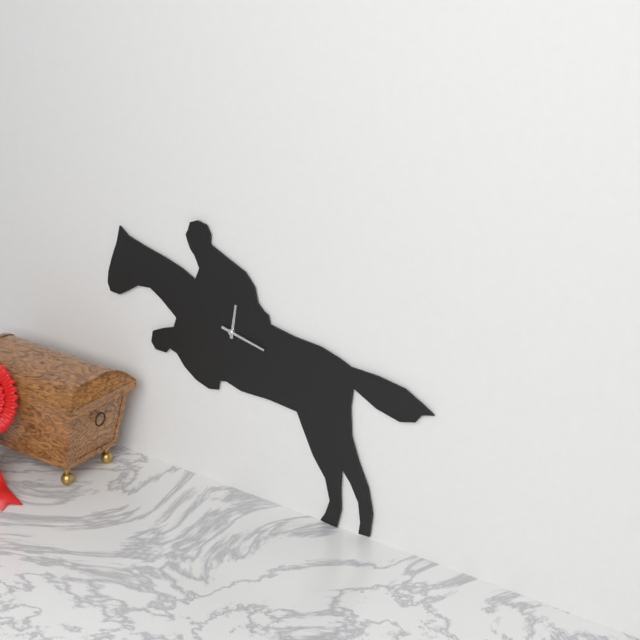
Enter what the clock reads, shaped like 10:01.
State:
12:17
